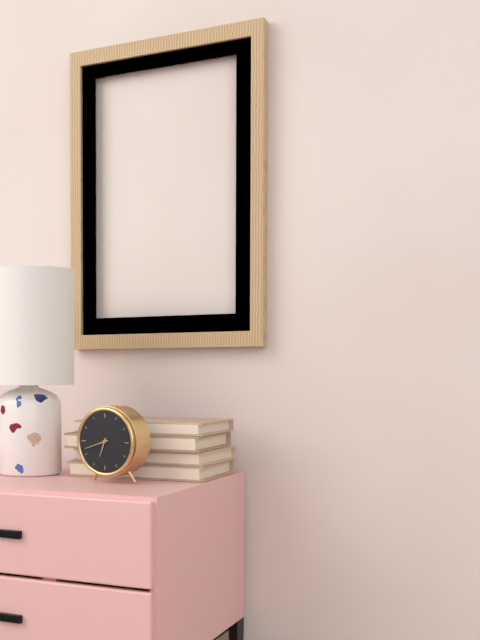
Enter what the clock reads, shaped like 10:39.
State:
6:42
